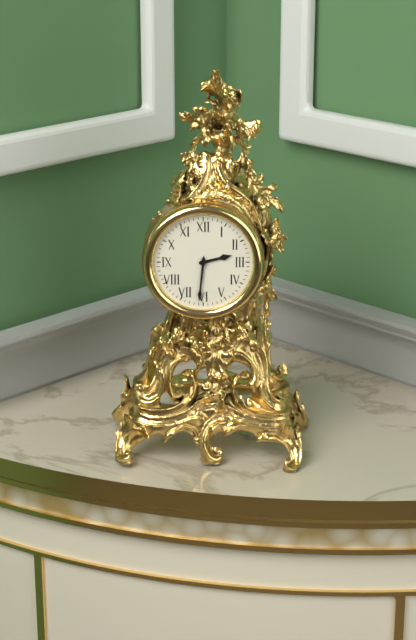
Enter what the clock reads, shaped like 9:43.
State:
2:31
